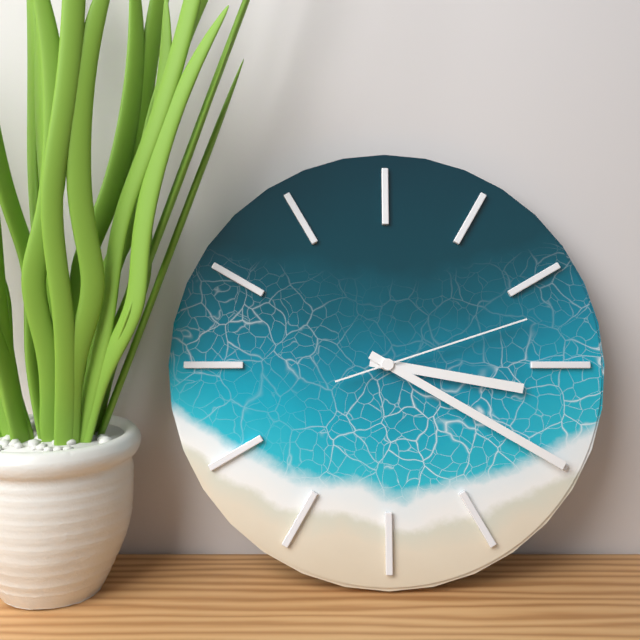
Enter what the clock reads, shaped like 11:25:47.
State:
3:20:12
